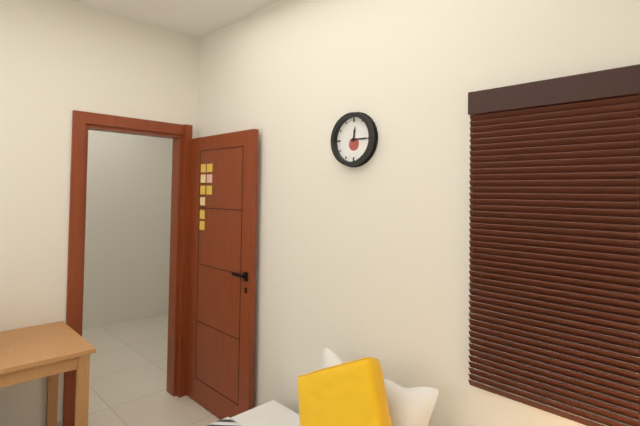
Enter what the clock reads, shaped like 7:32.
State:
12:15
